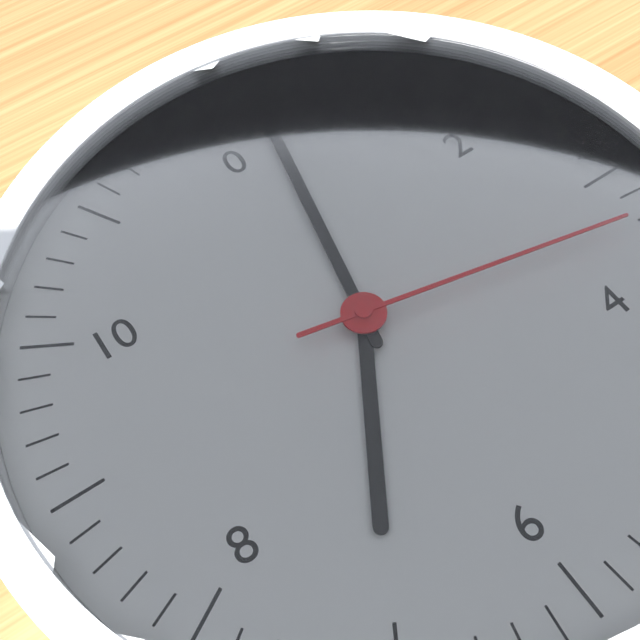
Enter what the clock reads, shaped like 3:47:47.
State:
7:02:17
